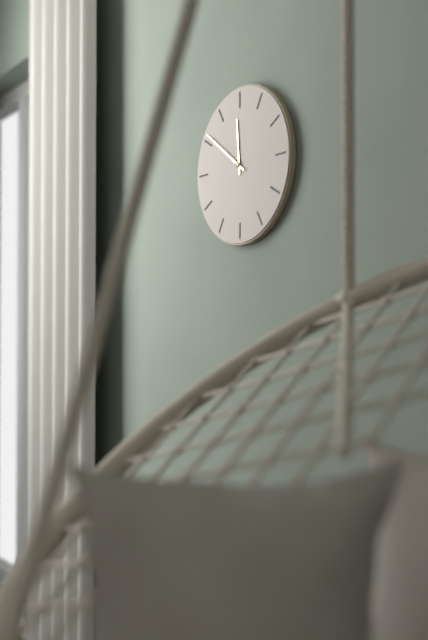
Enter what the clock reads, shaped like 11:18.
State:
11:51
